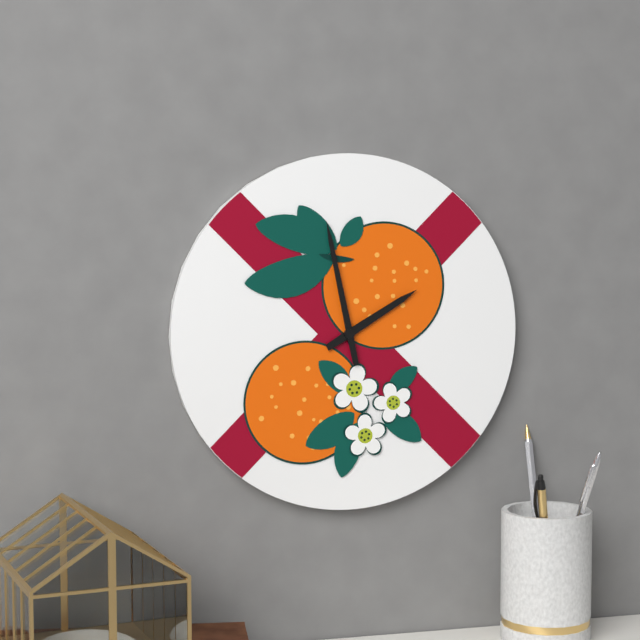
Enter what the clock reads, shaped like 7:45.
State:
1:58
